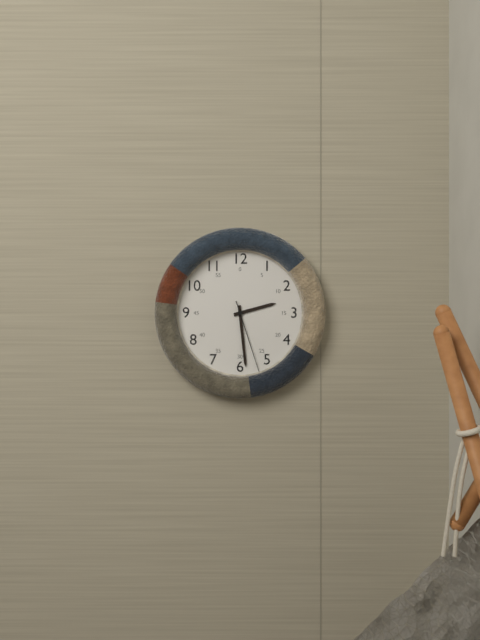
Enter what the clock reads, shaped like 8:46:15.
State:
2:29:27
